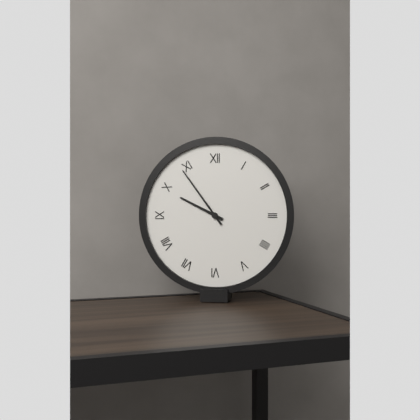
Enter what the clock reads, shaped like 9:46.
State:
9:54
